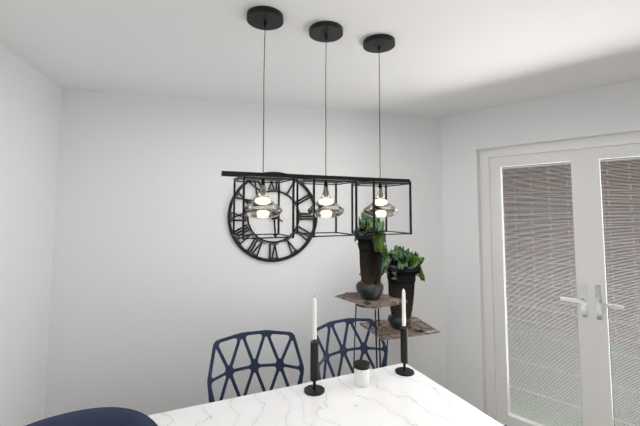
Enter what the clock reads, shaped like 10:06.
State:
5:50
